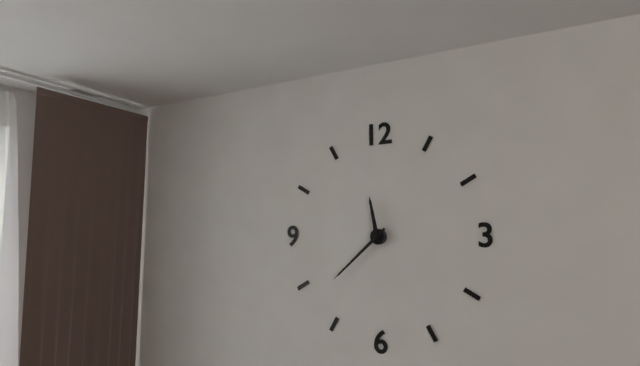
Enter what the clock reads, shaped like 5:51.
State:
11:38
